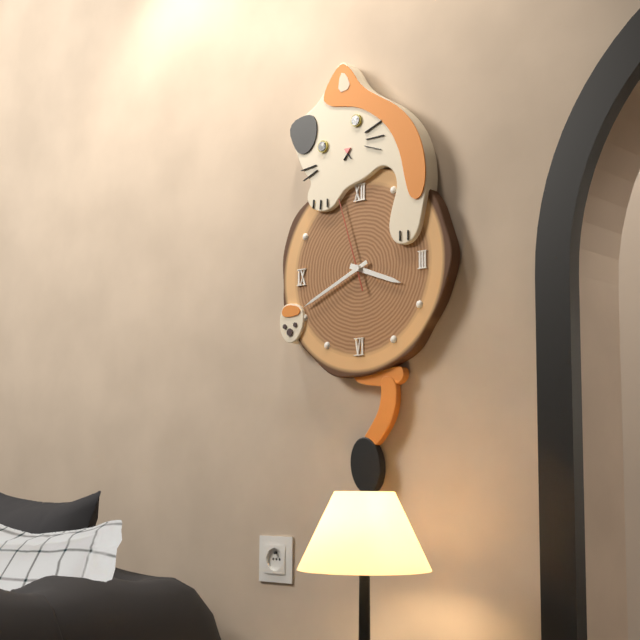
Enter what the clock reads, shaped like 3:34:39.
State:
3:41:57
